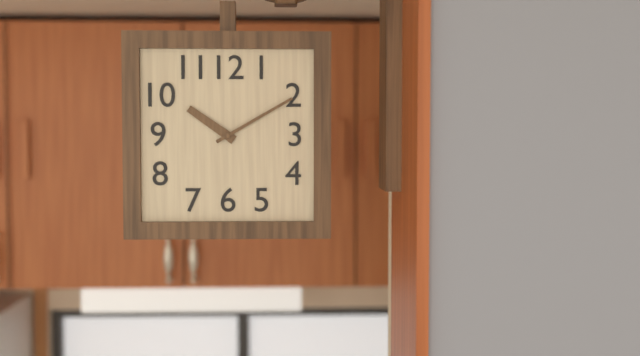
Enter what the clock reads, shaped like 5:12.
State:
10:10
